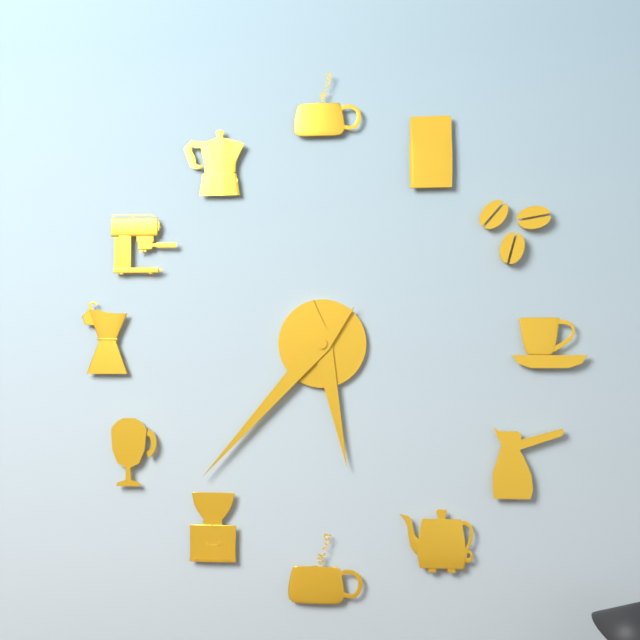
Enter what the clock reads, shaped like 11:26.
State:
5:37
